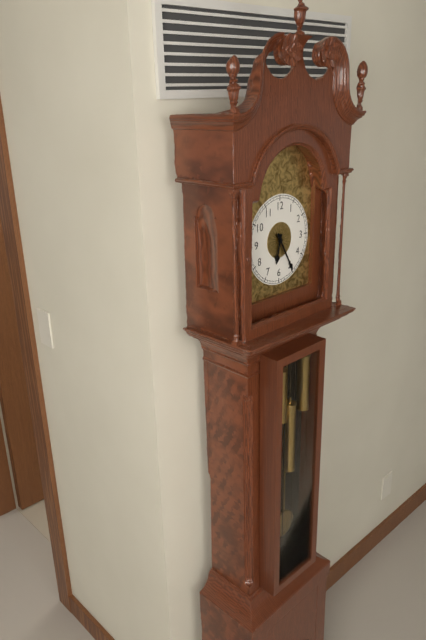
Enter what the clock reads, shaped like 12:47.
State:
6:25
